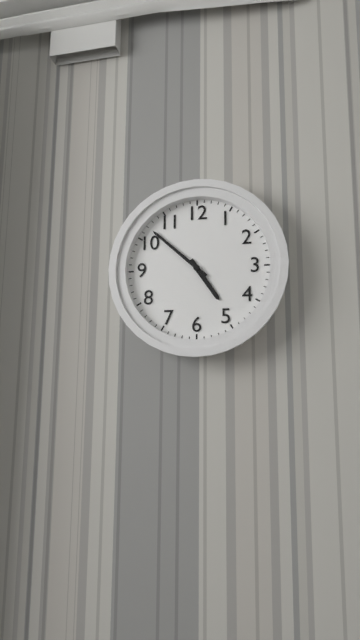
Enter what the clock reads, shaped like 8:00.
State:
4:52
